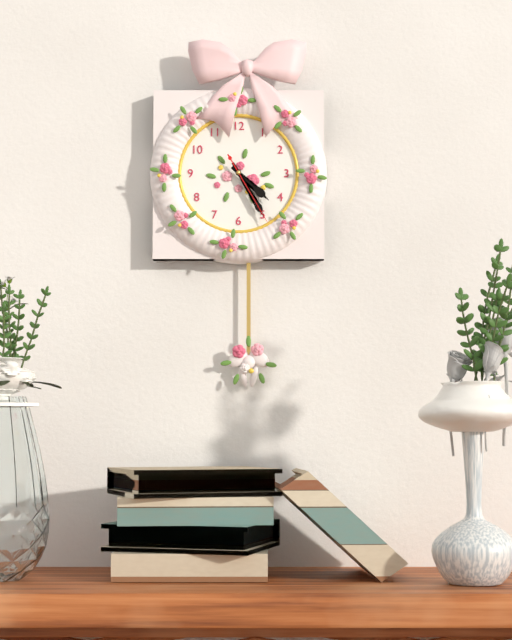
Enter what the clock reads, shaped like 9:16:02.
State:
4:25:25
